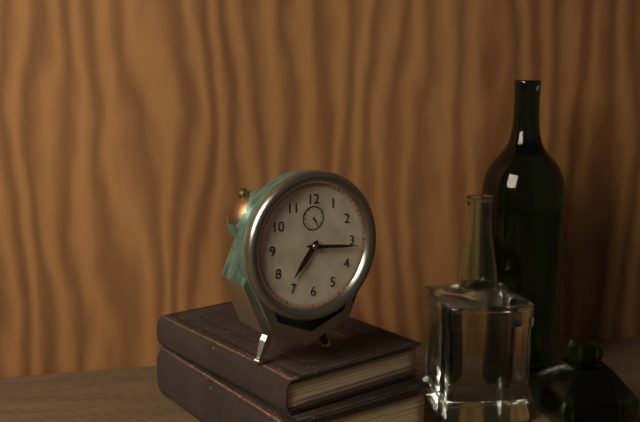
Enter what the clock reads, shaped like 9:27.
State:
7:16
